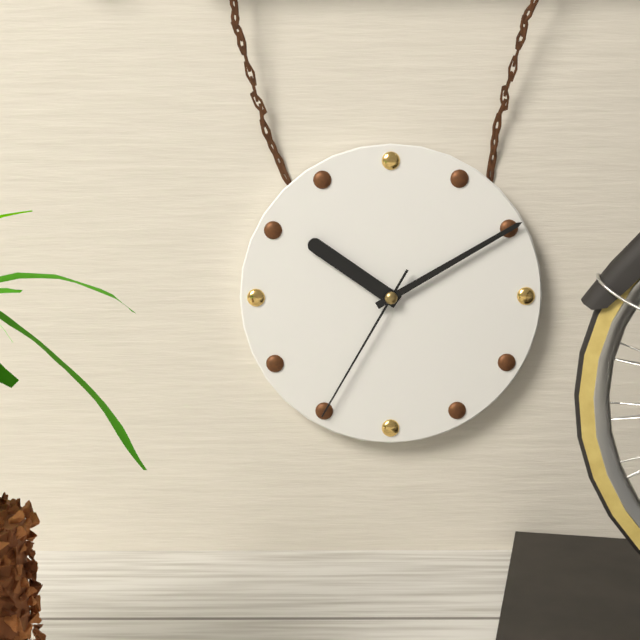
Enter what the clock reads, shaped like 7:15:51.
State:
10:10:35
